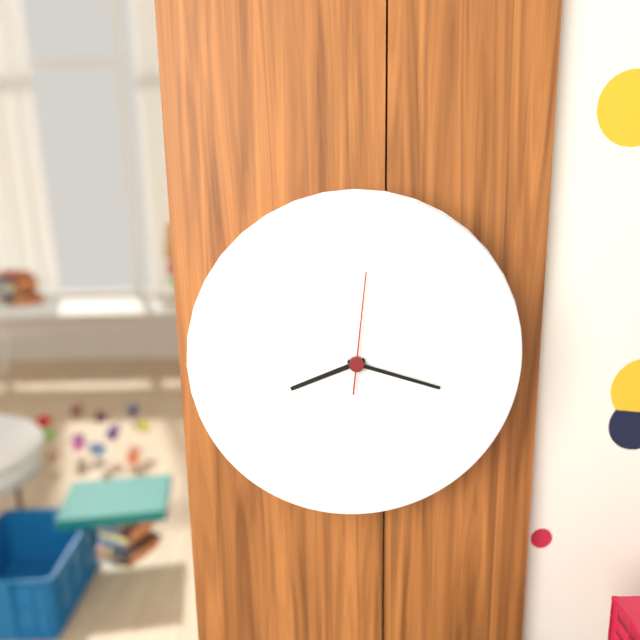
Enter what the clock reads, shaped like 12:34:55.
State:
8:18:01
